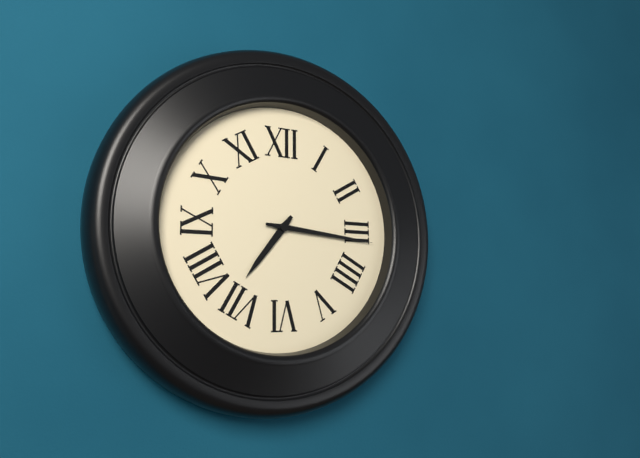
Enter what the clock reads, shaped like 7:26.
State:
7:16
